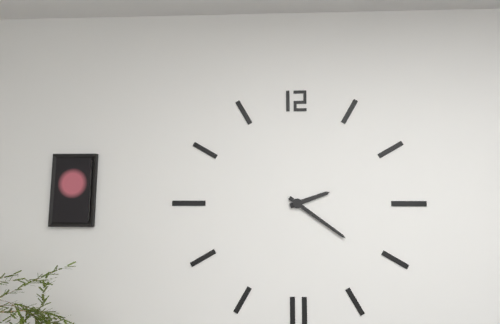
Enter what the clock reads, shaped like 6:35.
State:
2:21
